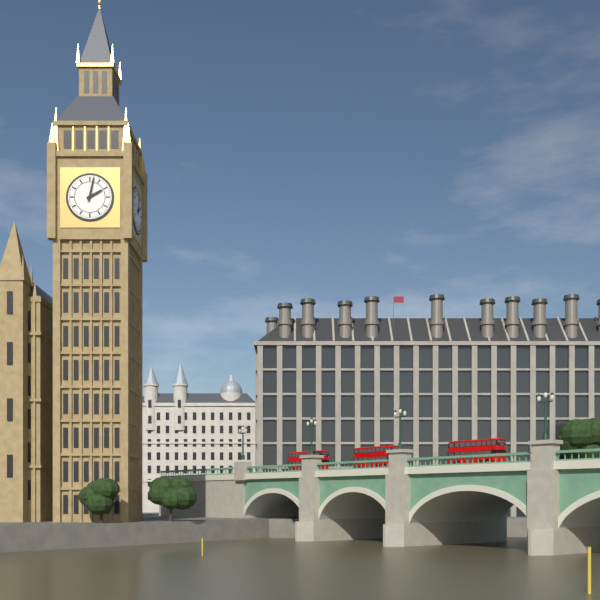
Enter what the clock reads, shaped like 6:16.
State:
2:02
